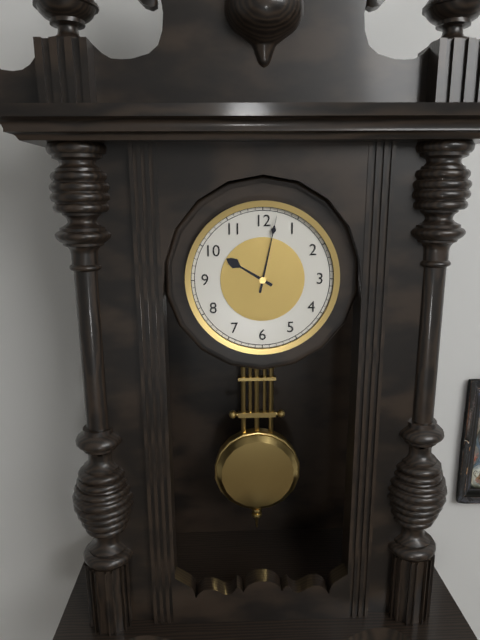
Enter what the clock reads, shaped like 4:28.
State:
10:02
